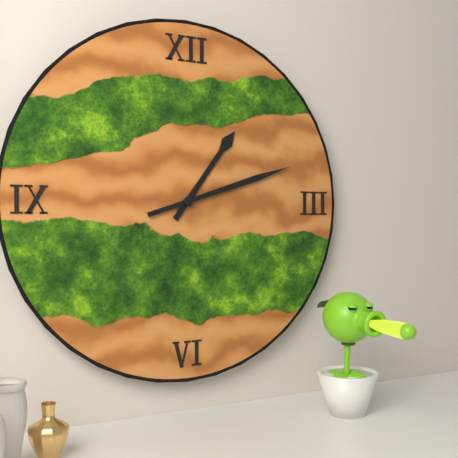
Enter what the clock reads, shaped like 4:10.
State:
1:12
